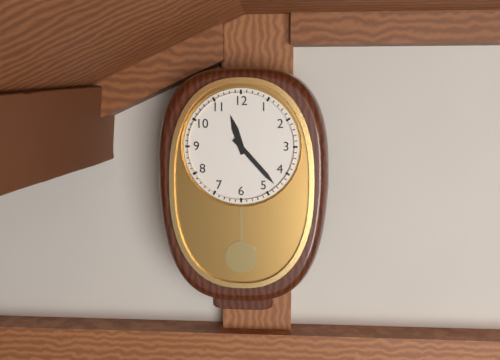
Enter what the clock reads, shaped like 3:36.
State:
11:23
